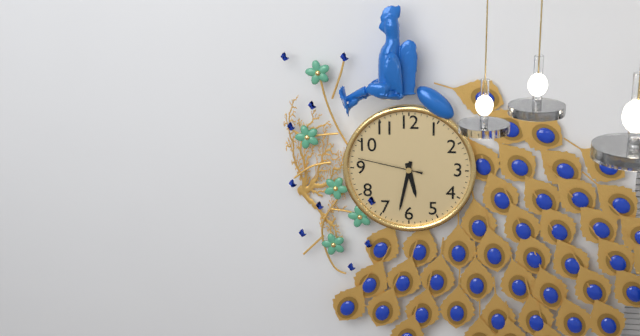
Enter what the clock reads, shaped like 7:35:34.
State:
5:32:47
